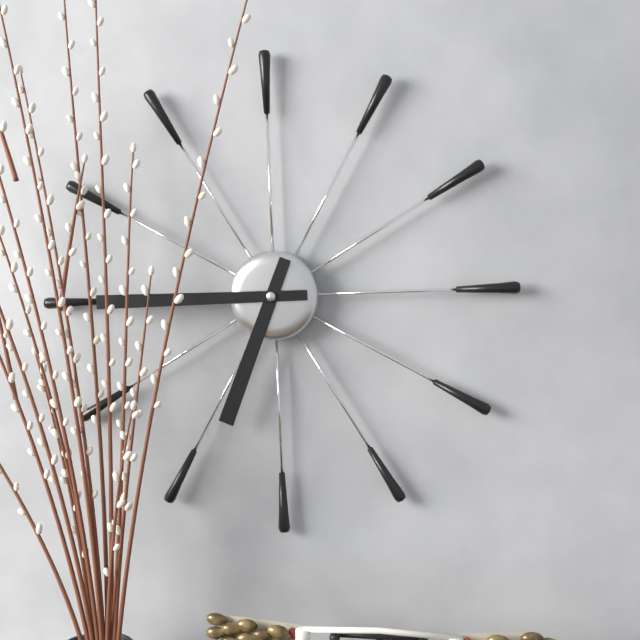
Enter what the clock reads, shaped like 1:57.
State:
6:45
